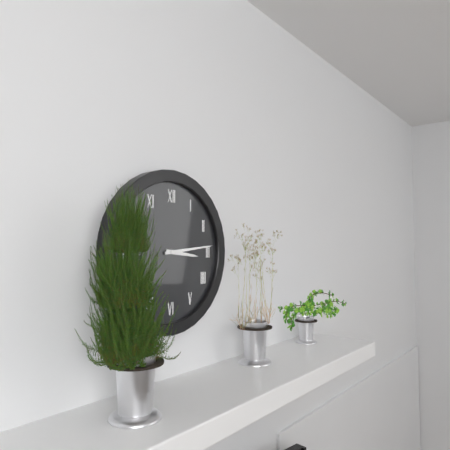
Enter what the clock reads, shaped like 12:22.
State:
3:14
